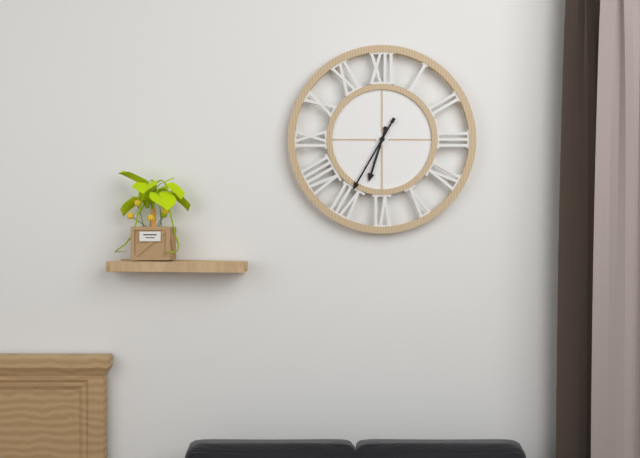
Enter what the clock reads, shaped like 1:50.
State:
6:35
